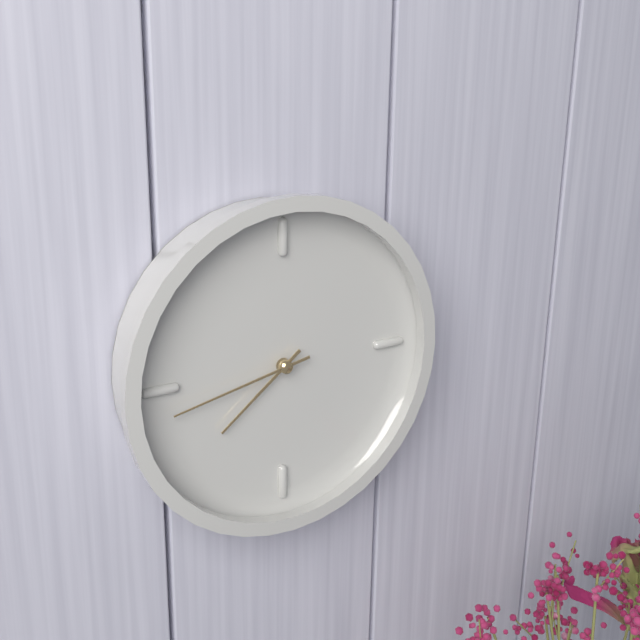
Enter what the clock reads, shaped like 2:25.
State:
7:43
